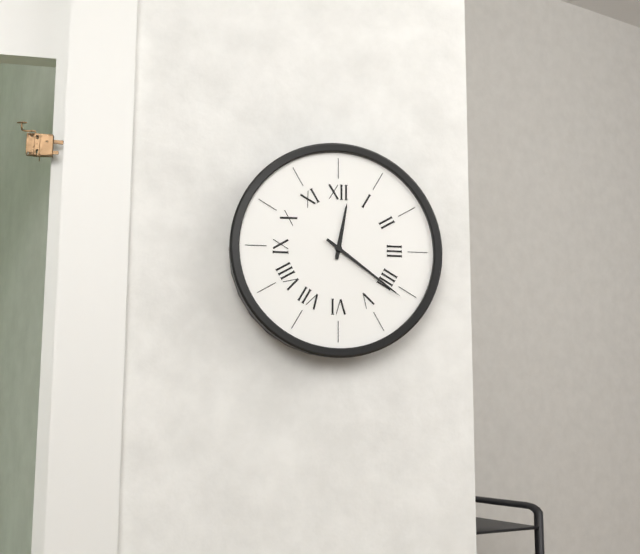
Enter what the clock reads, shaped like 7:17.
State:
12:21
